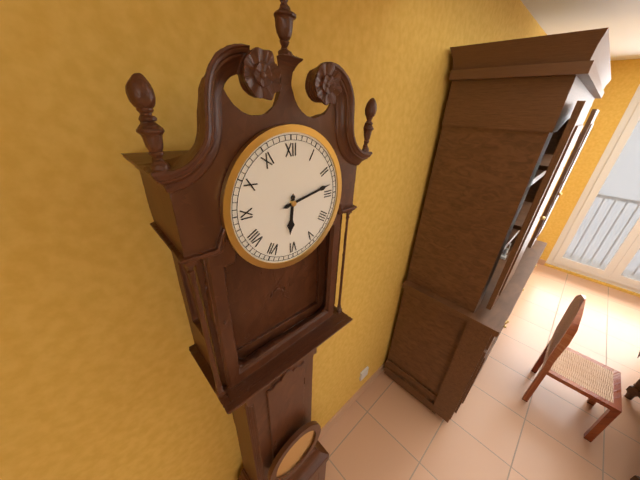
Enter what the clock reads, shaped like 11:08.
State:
6:13
